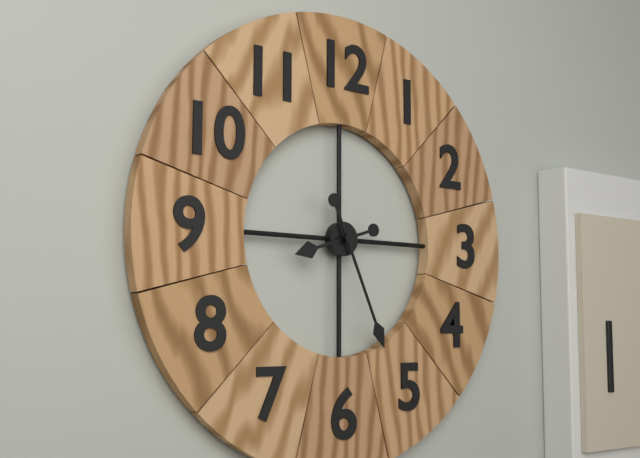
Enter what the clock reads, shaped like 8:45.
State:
8:26
